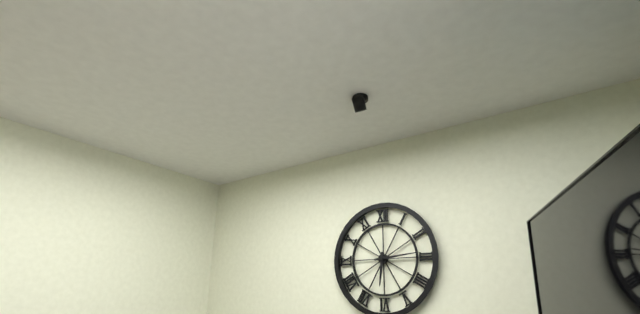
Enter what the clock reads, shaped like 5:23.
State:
6:14
